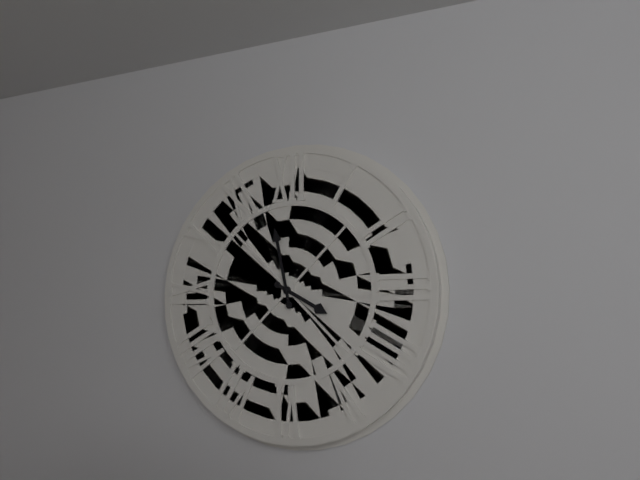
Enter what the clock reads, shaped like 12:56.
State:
3:58
